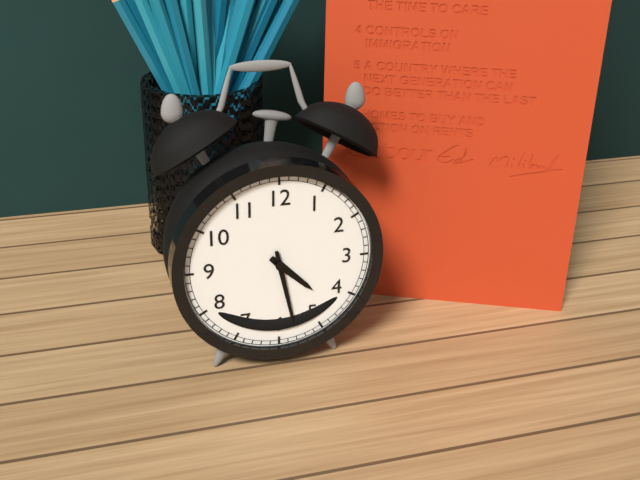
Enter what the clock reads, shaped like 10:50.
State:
4:28
